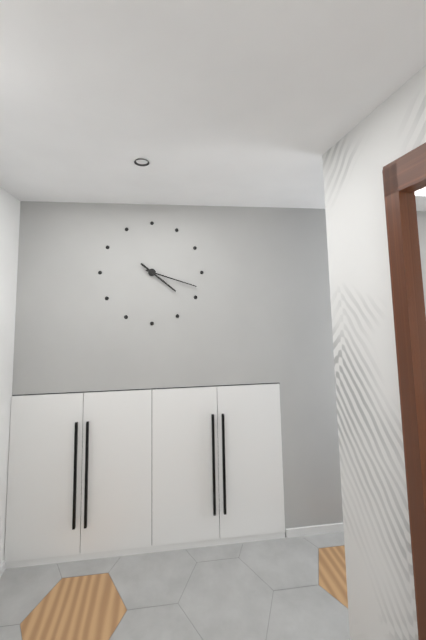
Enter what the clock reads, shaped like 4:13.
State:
4:18
